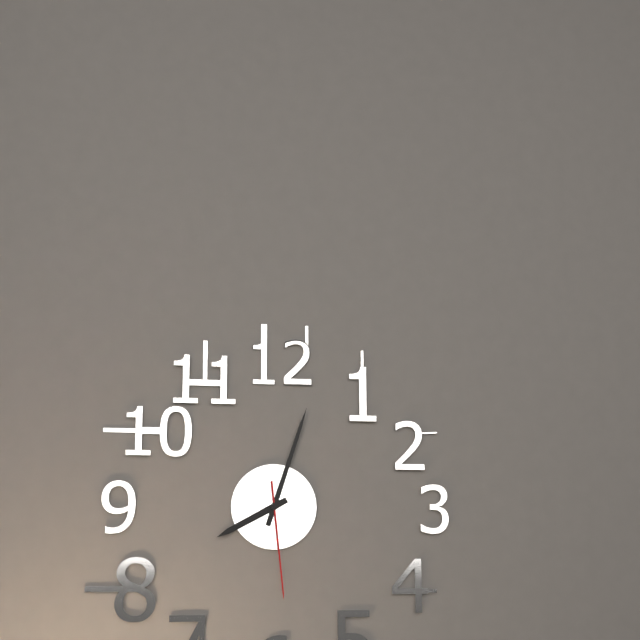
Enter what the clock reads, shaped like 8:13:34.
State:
8:03:29
